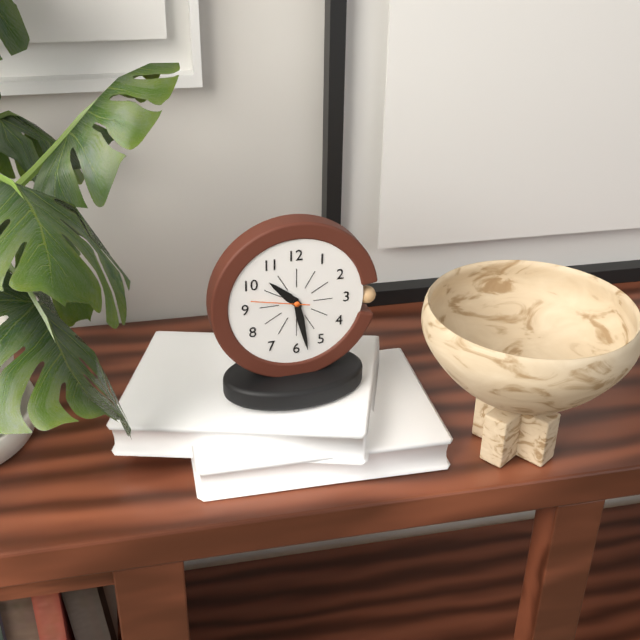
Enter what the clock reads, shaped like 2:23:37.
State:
10:28:47
